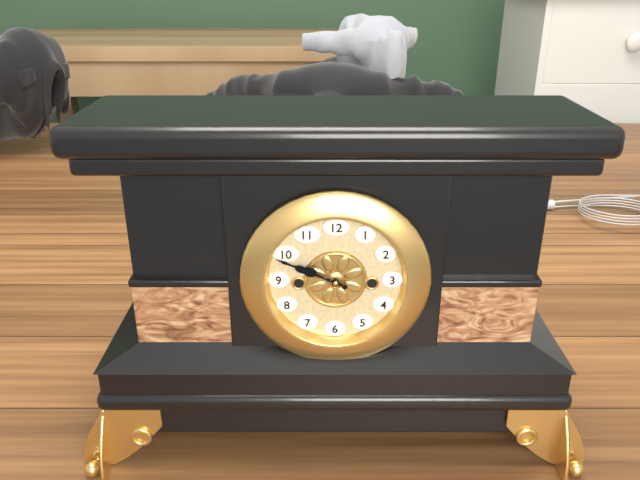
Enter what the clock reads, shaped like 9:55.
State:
9:49
